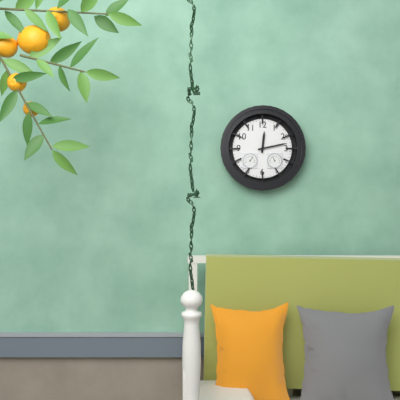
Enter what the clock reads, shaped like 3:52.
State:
12:13
